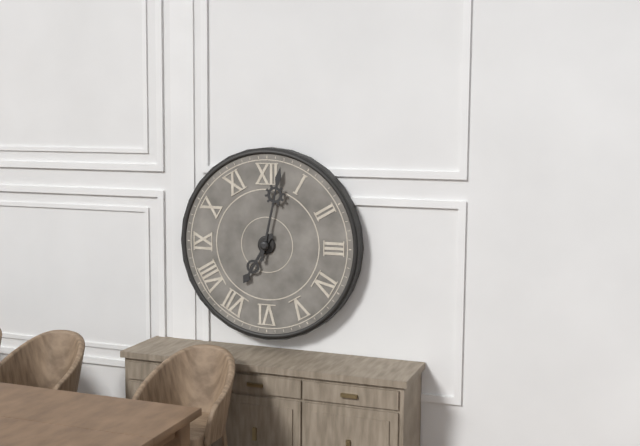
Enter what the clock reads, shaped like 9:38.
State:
7:02
